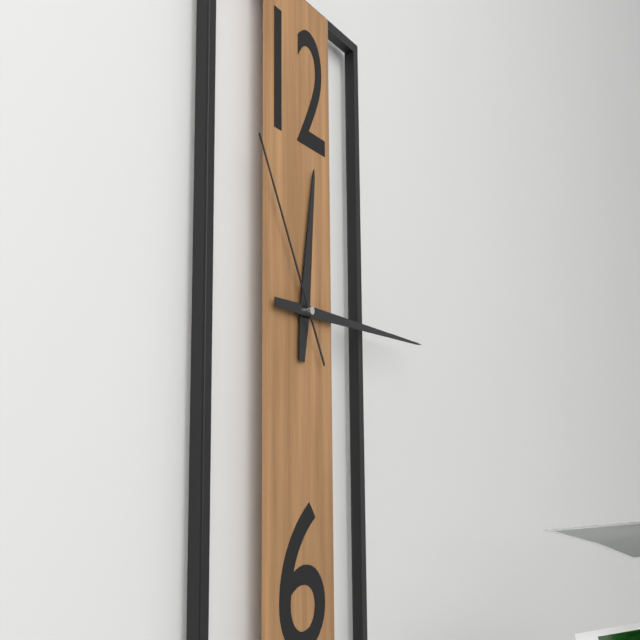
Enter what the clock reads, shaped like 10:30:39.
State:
12:15:55
